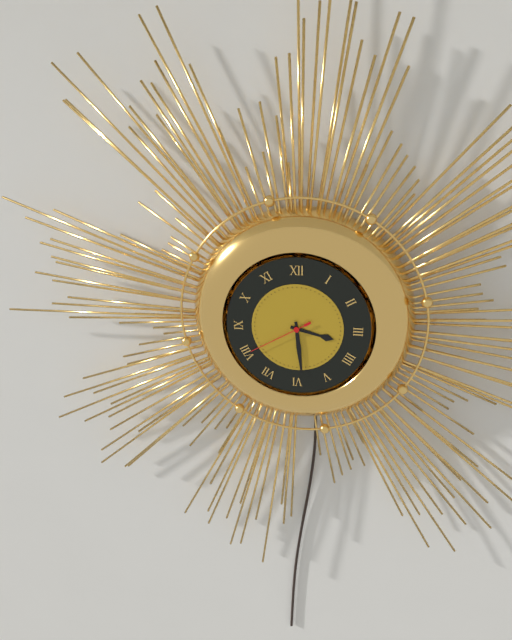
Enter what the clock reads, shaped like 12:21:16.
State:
3:29:40
